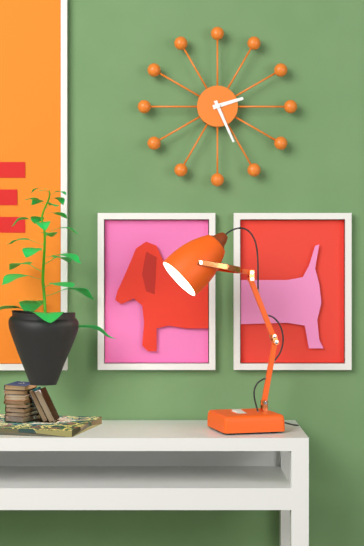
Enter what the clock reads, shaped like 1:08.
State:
2:26
